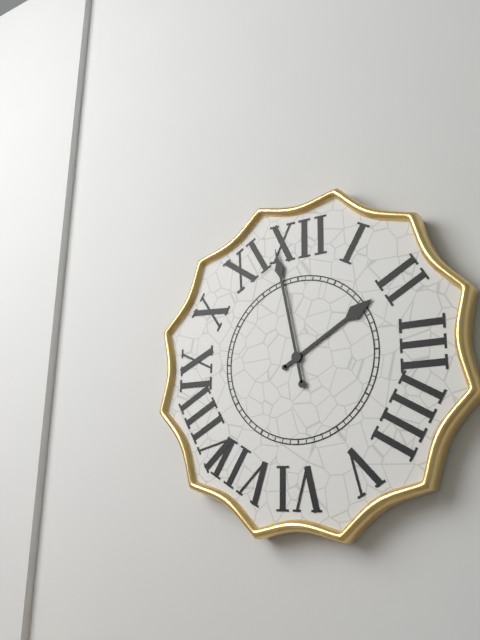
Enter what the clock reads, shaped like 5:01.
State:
1:58
